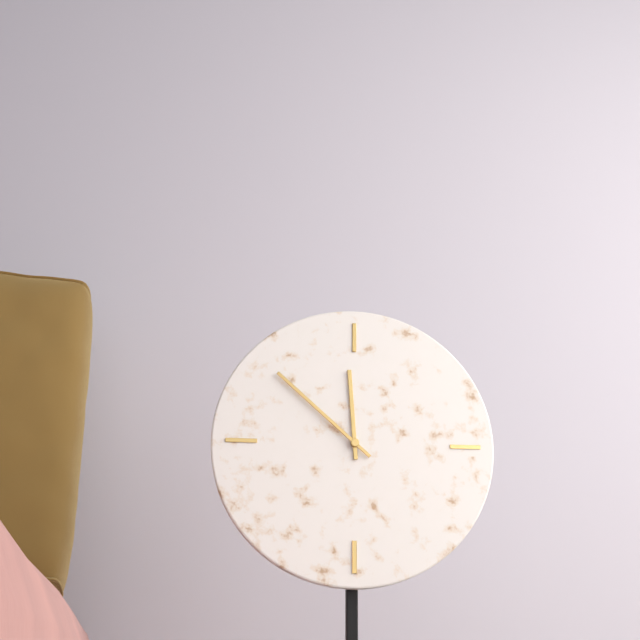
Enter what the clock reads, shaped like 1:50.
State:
11:52
